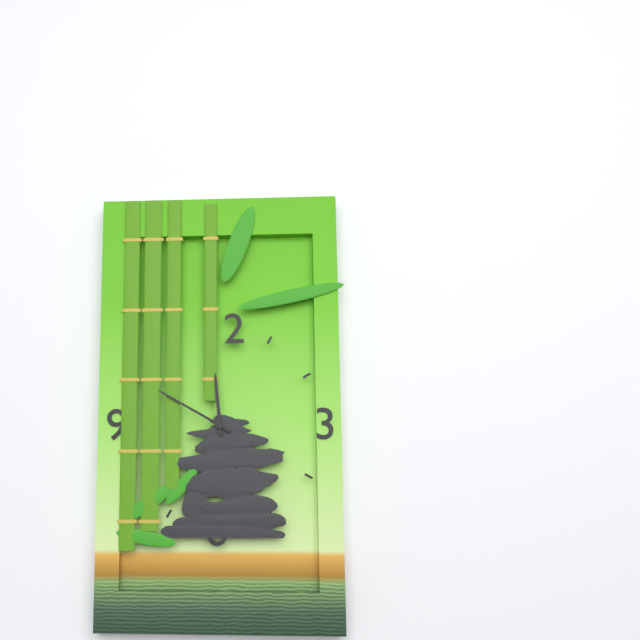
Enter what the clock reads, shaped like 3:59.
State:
11:50
